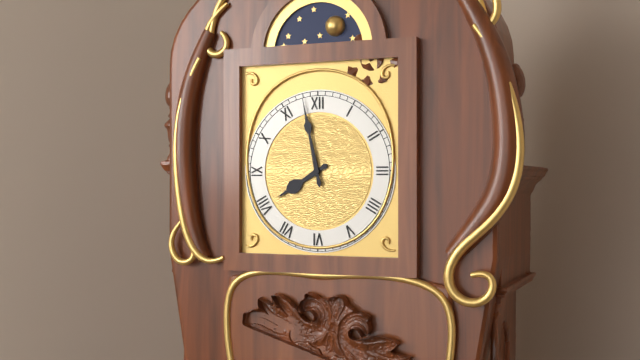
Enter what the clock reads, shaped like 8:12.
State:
7:58
